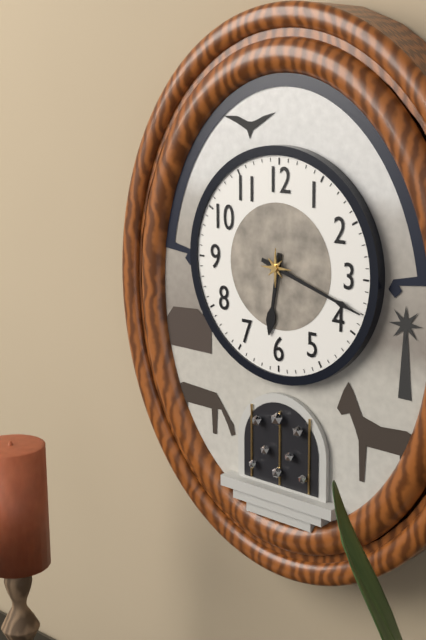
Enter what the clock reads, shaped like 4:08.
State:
6:18
